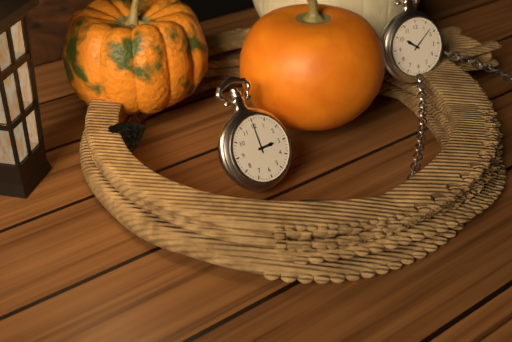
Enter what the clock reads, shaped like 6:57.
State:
3:00
